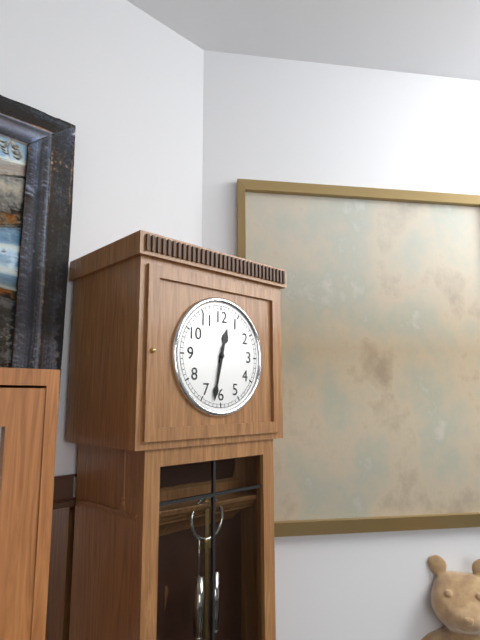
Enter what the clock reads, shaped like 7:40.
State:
12:32
